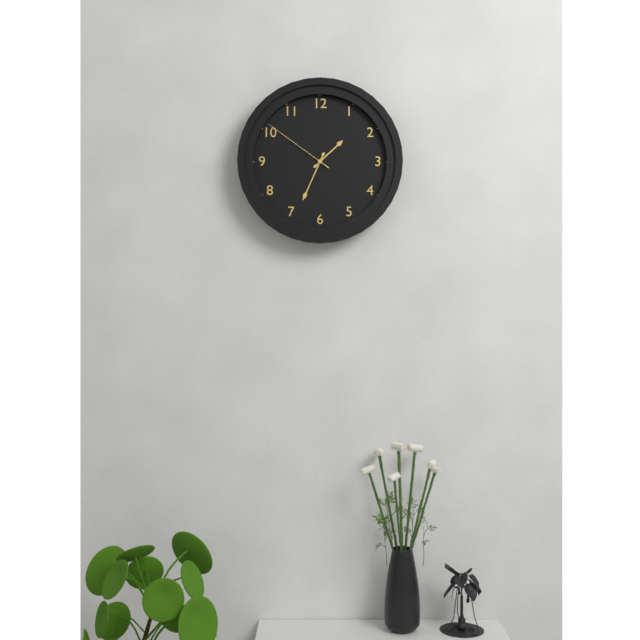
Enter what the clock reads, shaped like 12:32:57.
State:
1:34:51
